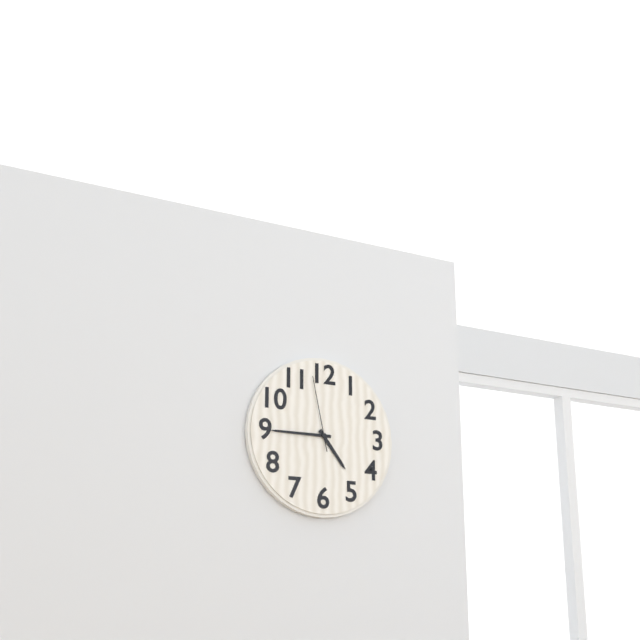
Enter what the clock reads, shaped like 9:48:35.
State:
4:45:58
